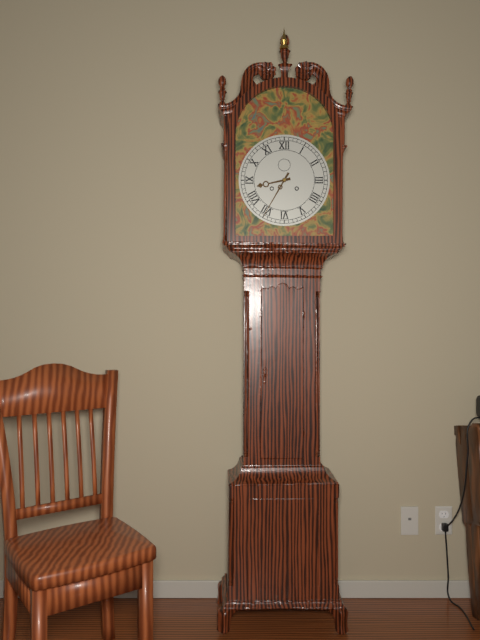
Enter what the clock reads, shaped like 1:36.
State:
8:35
